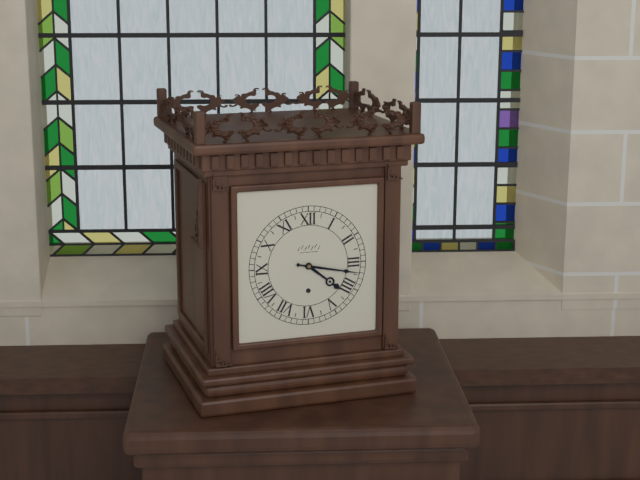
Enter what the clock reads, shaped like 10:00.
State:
4:17
